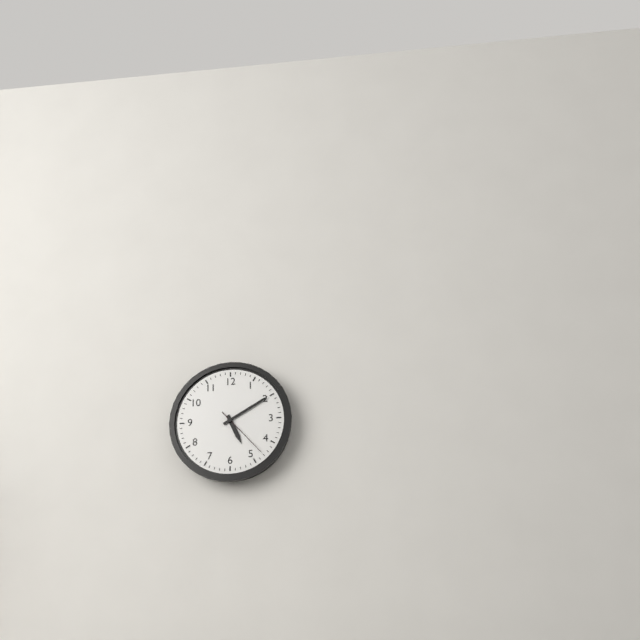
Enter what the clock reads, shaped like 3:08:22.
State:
5:10:23
